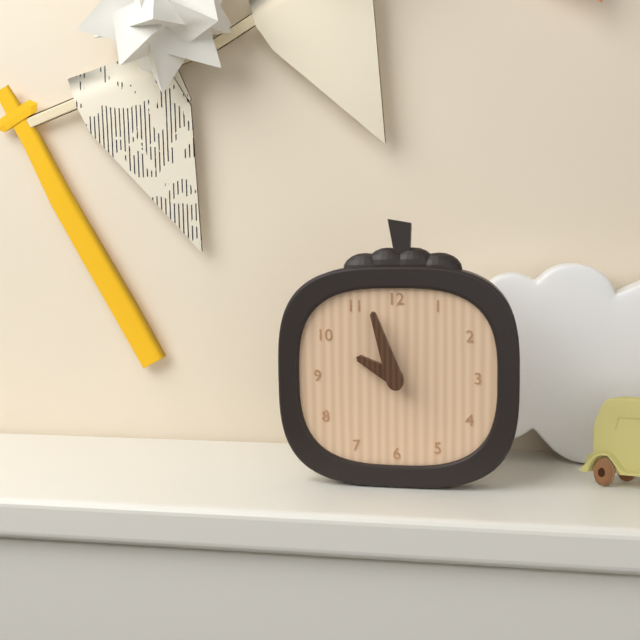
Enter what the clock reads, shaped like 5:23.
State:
9:57
